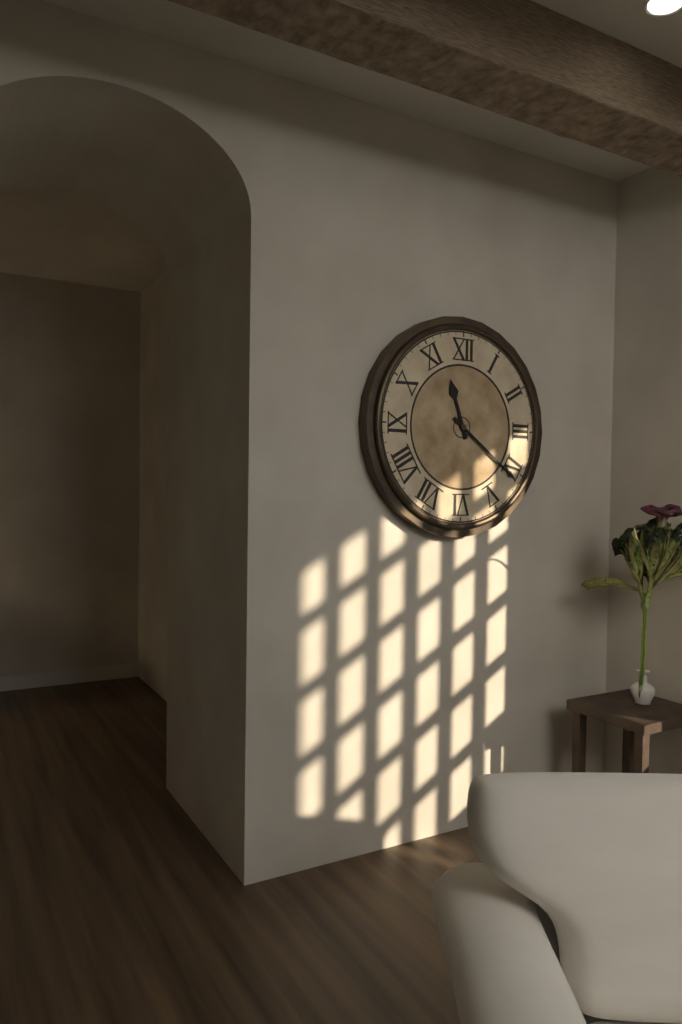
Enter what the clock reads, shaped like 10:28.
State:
11:21
